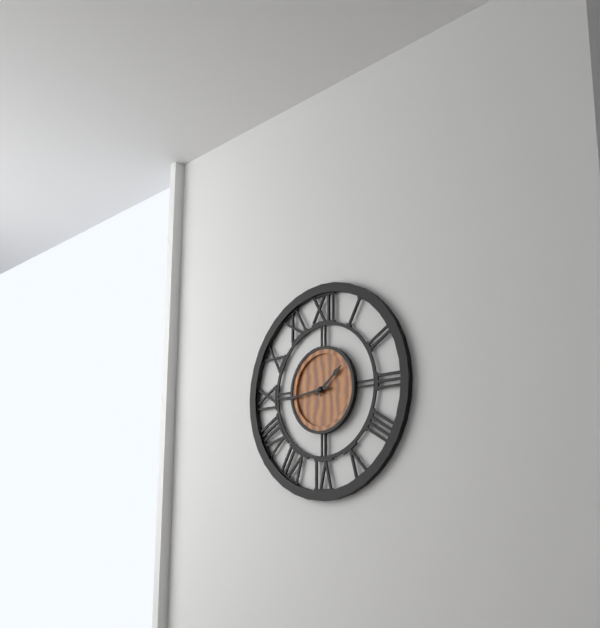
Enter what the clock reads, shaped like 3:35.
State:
1:44
